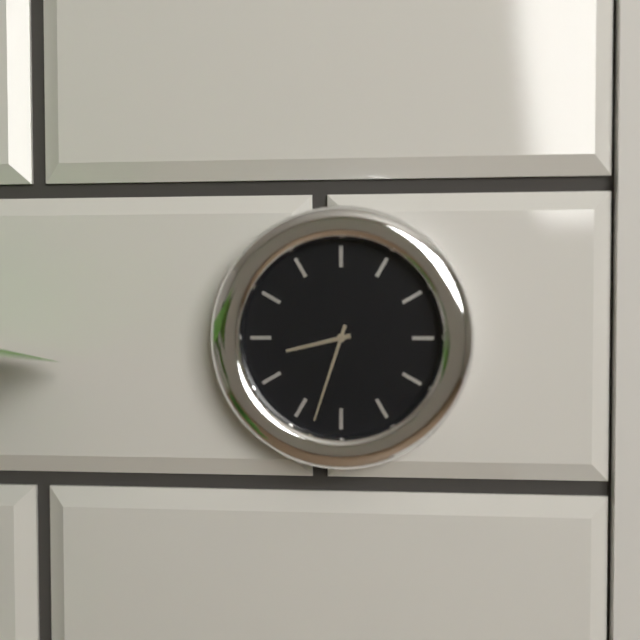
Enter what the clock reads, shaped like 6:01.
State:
8:33
